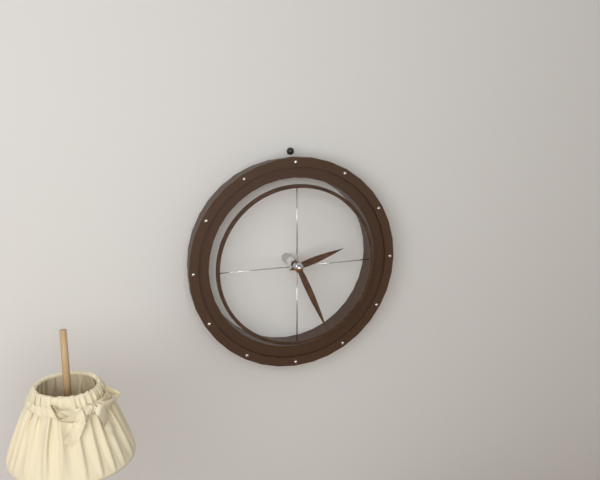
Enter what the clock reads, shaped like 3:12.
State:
2:26
